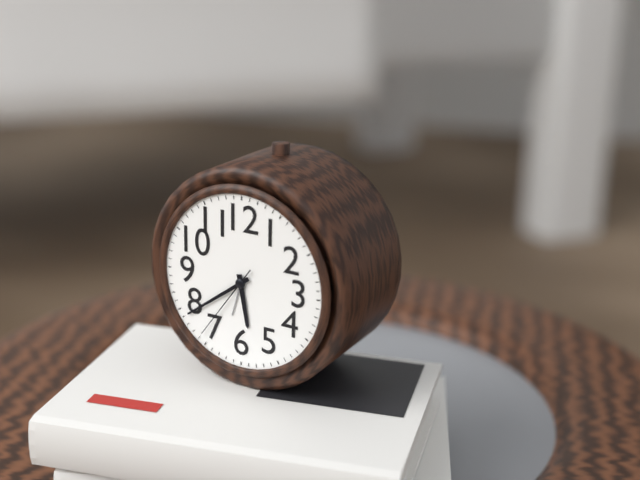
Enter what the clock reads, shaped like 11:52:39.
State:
5:39:36
